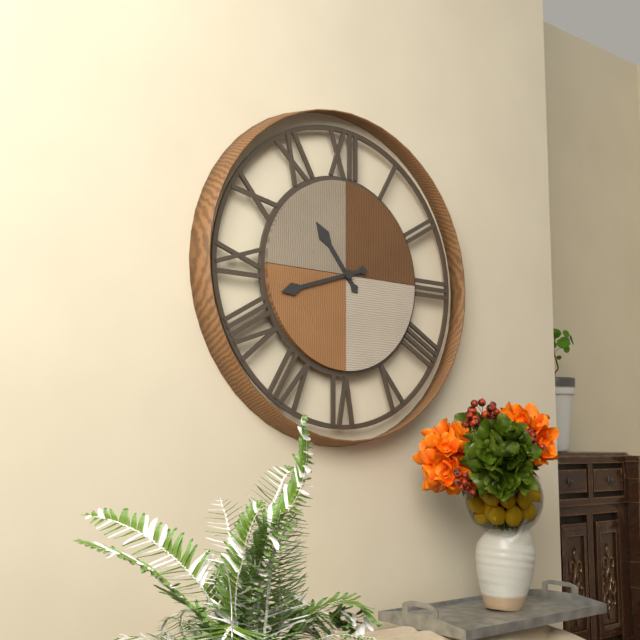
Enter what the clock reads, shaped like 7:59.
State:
10:42
